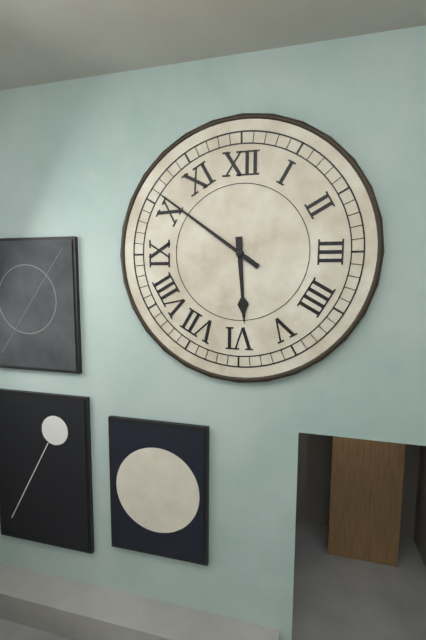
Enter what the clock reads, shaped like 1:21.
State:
5:51
